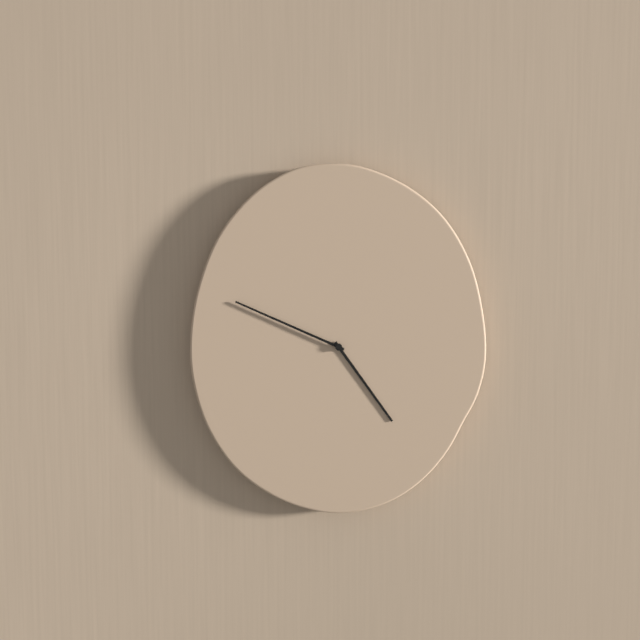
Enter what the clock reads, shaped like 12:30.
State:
4:49
